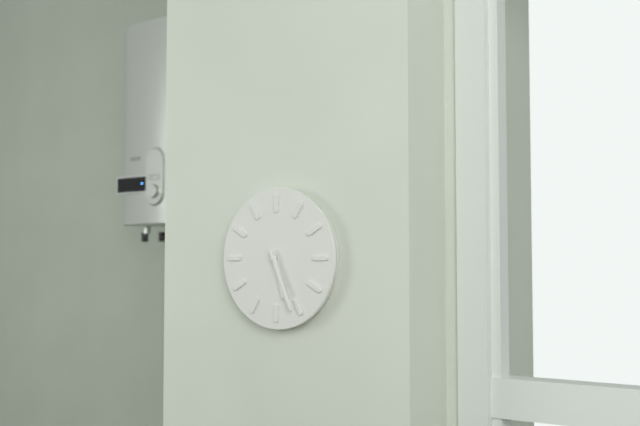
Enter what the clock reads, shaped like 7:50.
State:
5:26
